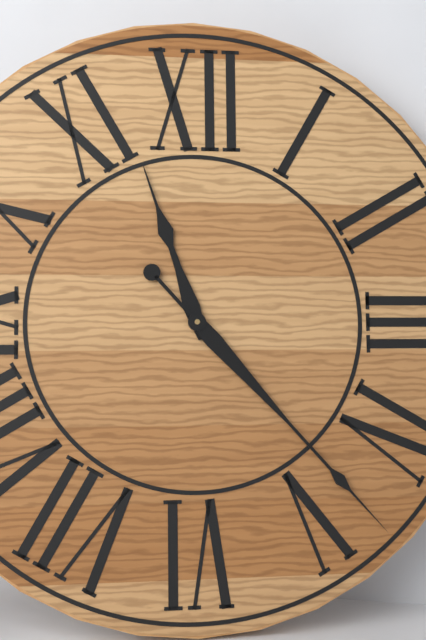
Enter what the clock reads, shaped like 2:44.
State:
11:23
